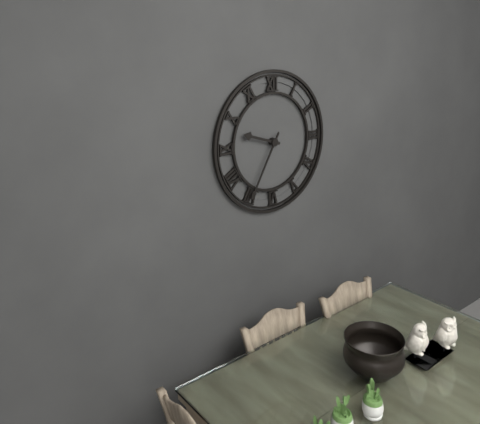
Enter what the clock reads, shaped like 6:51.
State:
9:35
